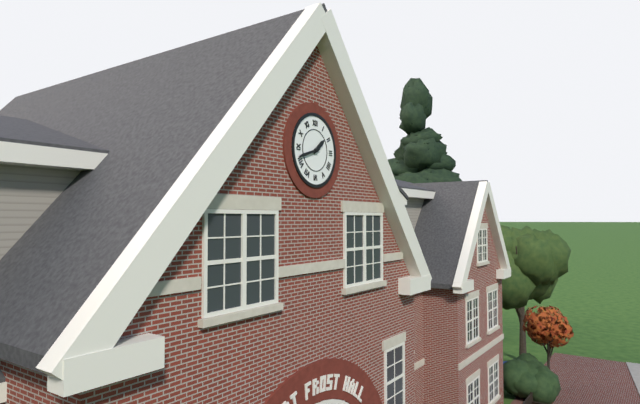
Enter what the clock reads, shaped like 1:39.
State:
1:42
